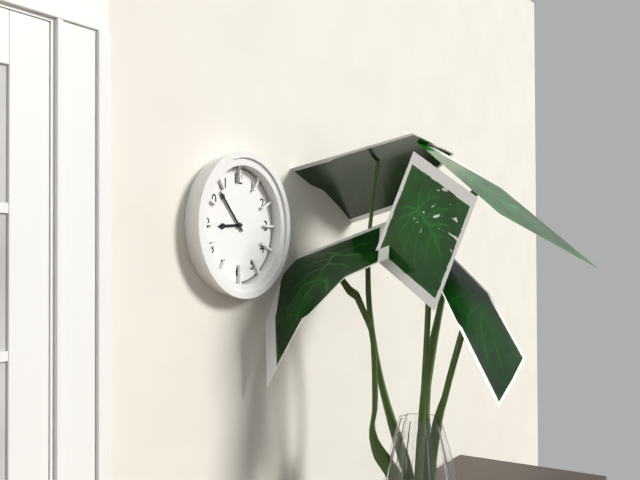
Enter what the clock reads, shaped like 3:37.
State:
8:53
